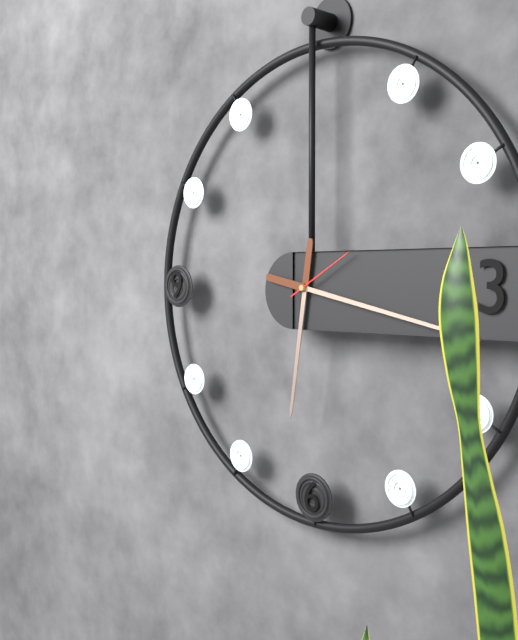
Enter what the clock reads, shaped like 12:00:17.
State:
6:17:10
